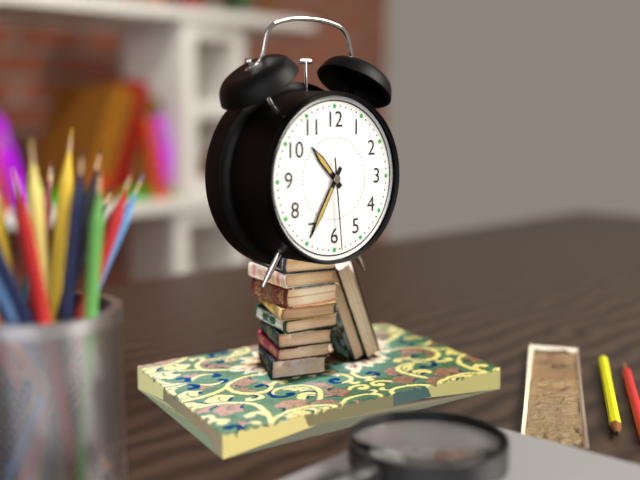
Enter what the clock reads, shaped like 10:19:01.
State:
10:35:29
